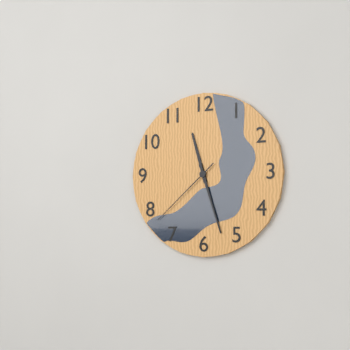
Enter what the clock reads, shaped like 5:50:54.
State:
11:27:38
